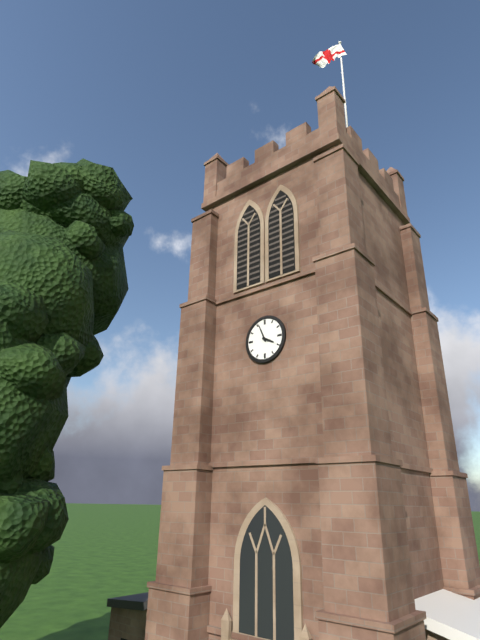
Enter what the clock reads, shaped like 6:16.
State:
3:56
